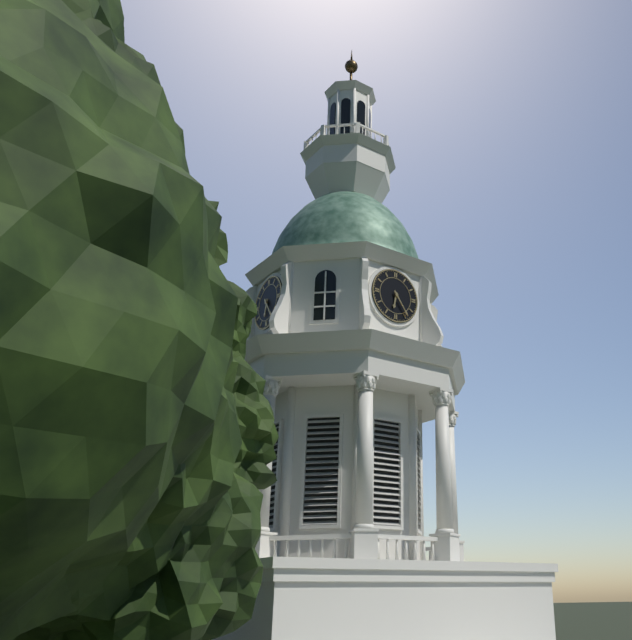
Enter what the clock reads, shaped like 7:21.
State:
6:24
